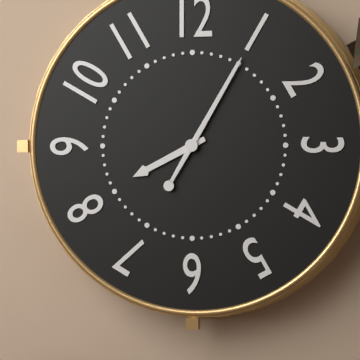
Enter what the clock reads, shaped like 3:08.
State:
8:05
